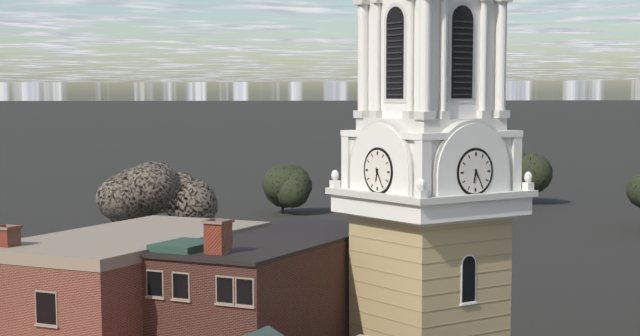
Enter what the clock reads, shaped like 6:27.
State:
6:25
